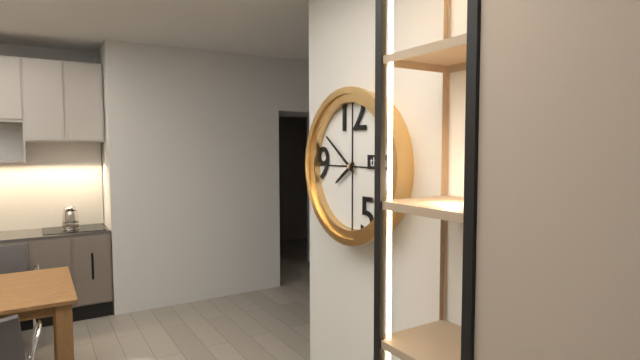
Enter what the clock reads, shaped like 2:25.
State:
7:51
